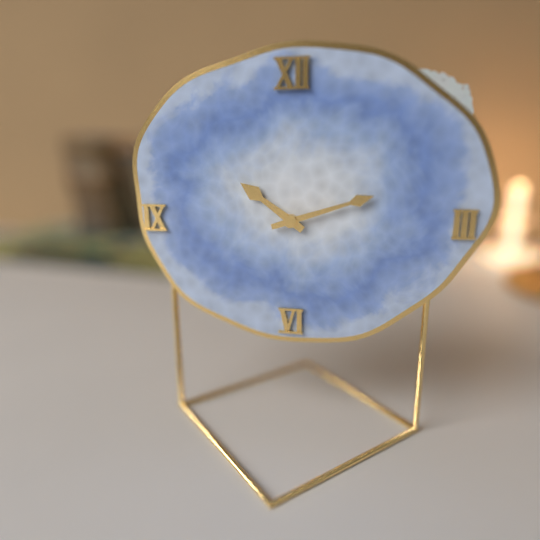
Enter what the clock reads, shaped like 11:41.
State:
10:12
